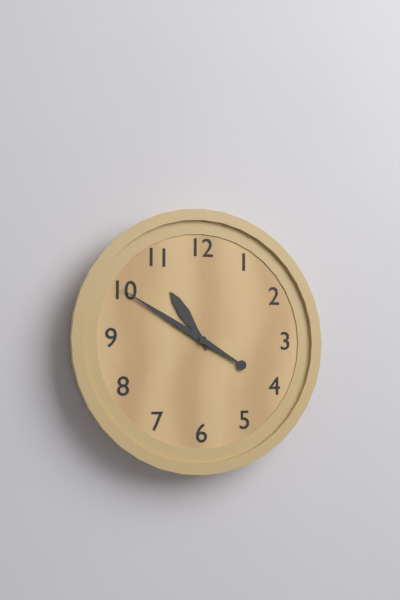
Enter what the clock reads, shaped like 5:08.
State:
10:50
